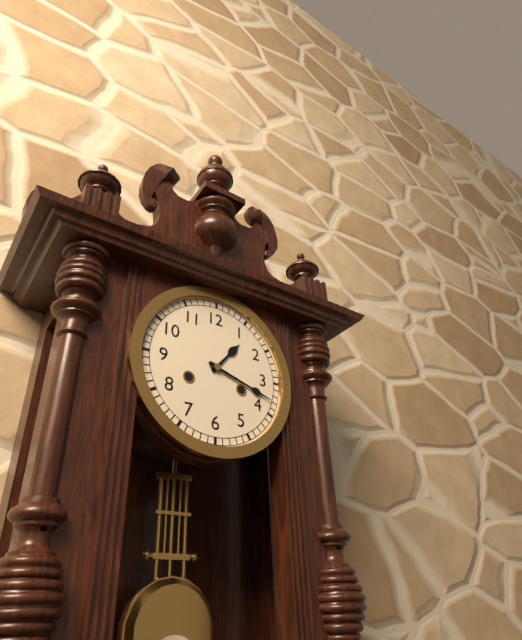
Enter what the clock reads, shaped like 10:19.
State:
1:18
